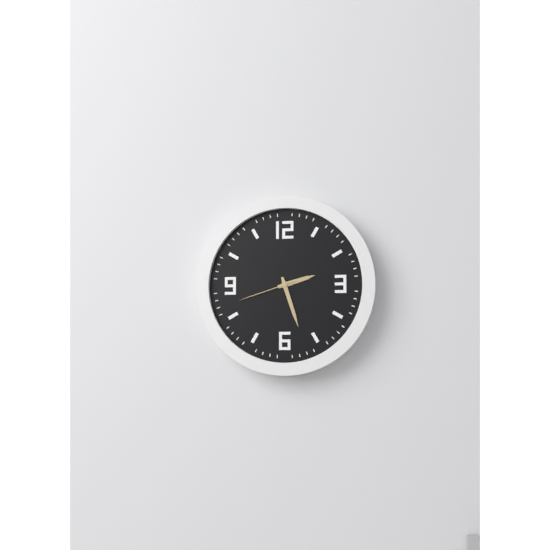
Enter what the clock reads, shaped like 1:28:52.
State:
2:27:42
